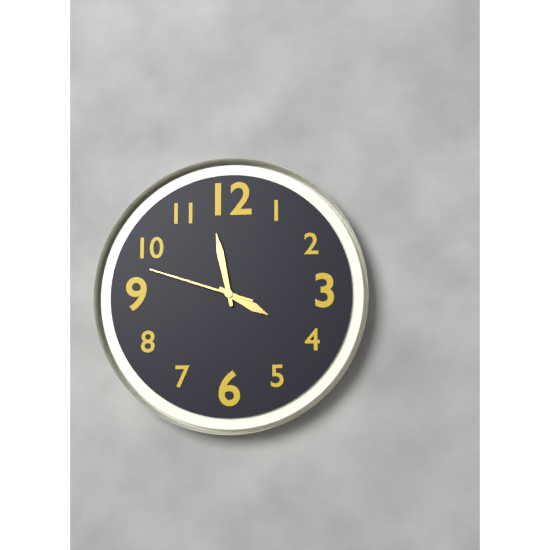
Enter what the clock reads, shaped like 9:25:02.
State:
3:58:48
